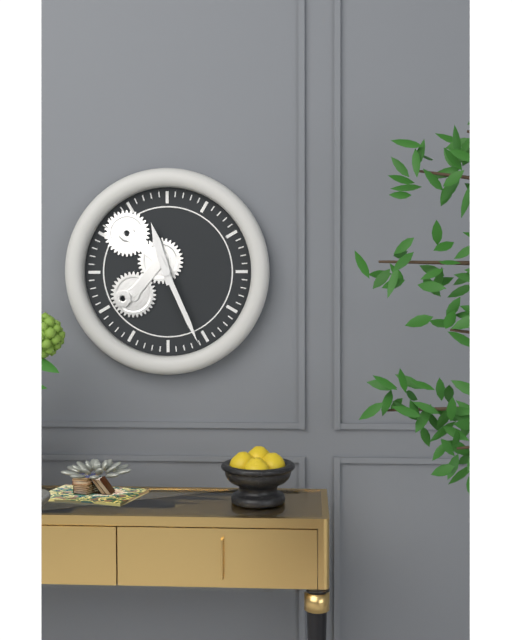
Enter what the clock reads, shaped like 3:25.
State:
11:26
